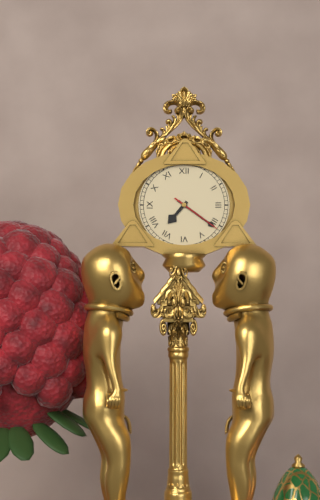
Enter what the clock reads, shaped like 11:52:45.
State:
7:21:21
